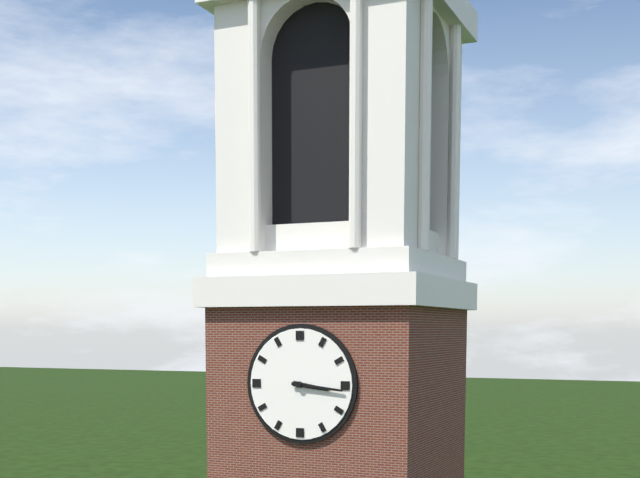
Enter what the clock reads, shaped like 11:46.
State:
3:16
